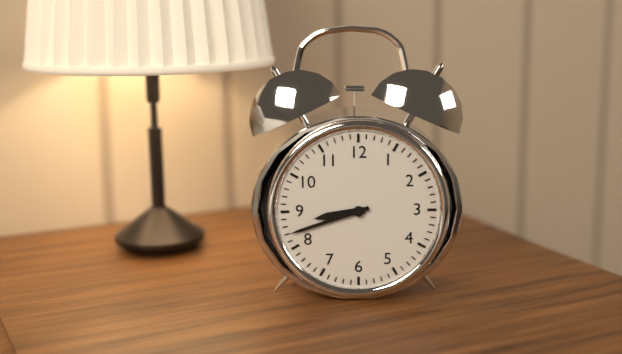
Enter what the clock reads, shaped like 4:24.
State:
8:42
